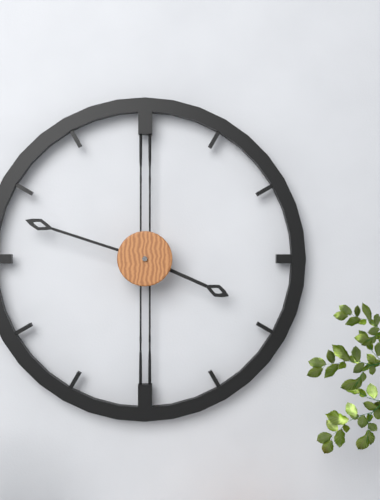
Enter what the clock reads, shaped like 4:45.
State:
3:48
